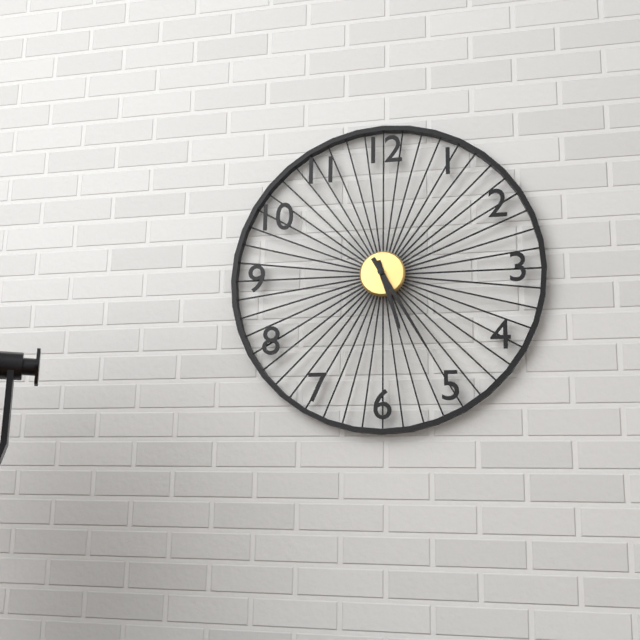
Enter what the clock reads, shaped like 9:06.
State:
5:25
